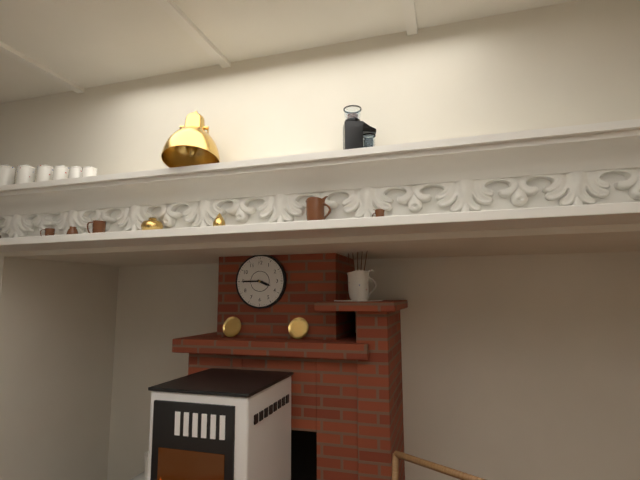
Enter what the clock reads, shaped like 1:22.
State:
3:45
